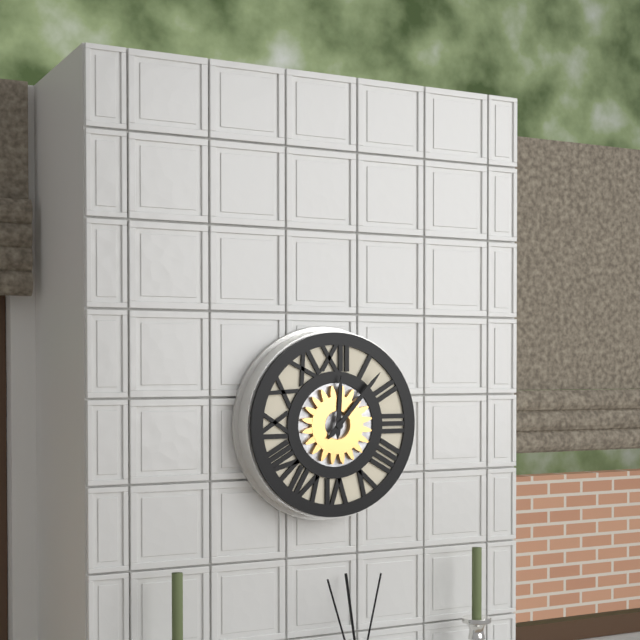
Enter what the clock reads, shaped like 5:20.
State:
12:07
